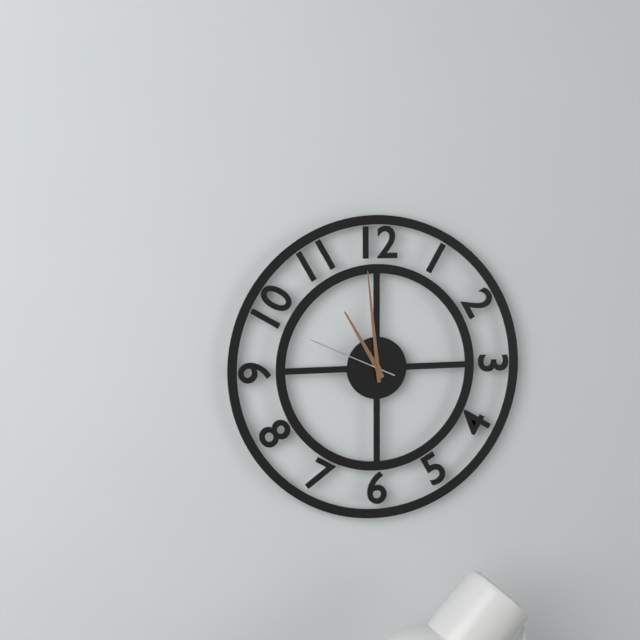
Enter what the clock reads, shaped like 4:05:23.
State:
10:59:49
